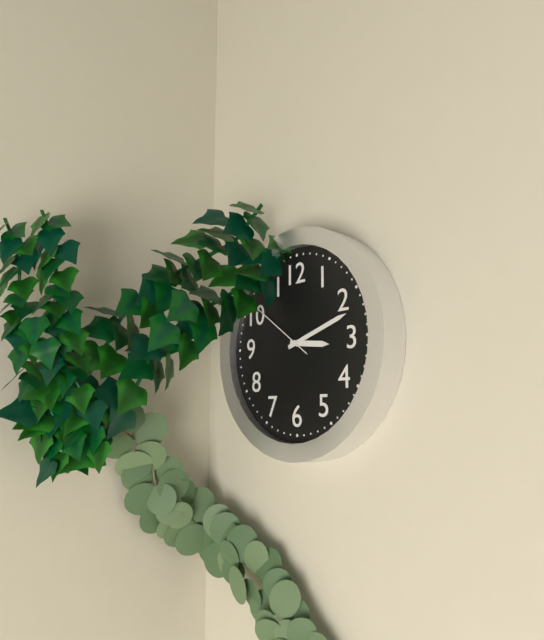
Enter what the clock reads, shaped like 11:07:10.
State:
3:12:51
